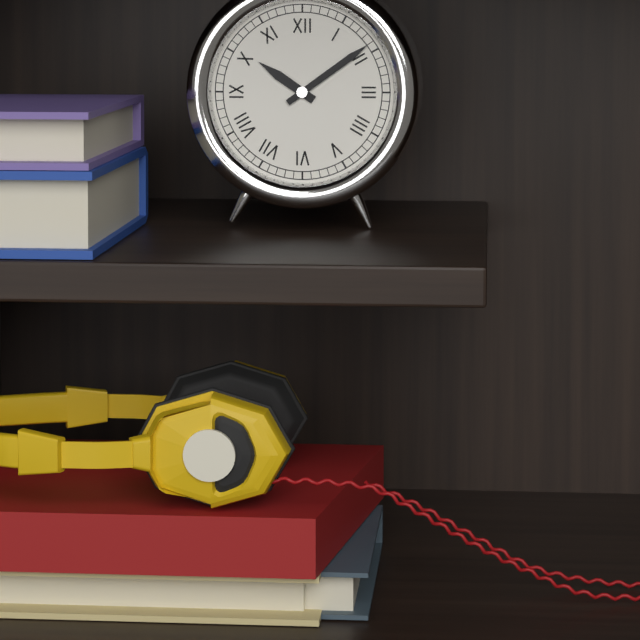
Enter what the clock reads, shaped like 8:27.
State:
10:09
